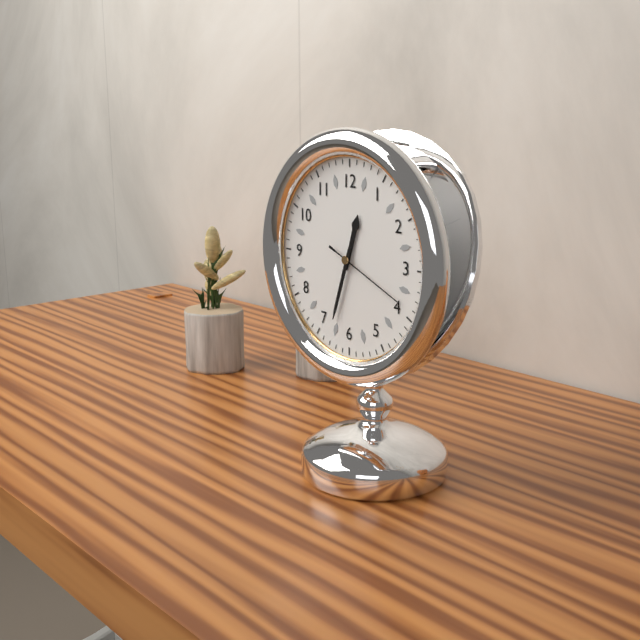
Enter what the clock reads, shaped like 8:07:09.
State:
12:33:19
